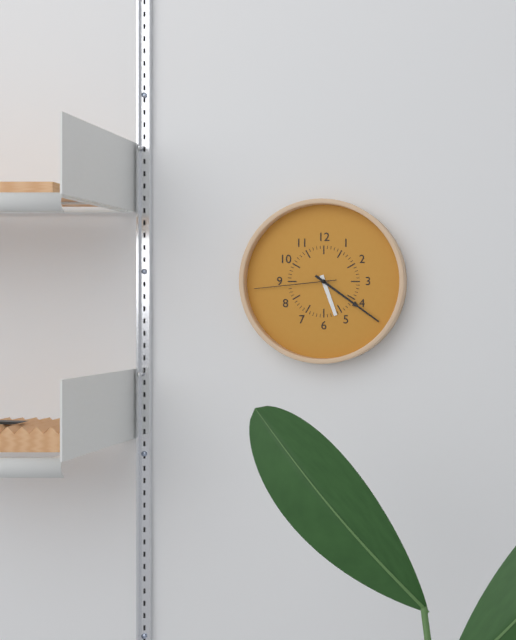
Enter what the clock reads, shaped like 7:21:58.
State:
5:21:44
